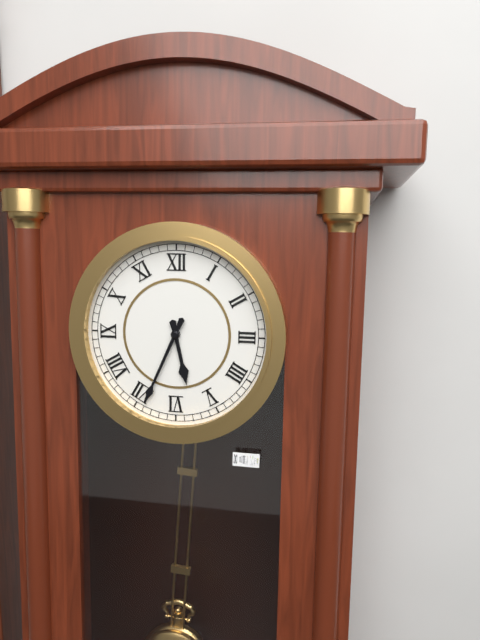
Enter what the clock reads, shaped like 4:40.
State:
5:34
